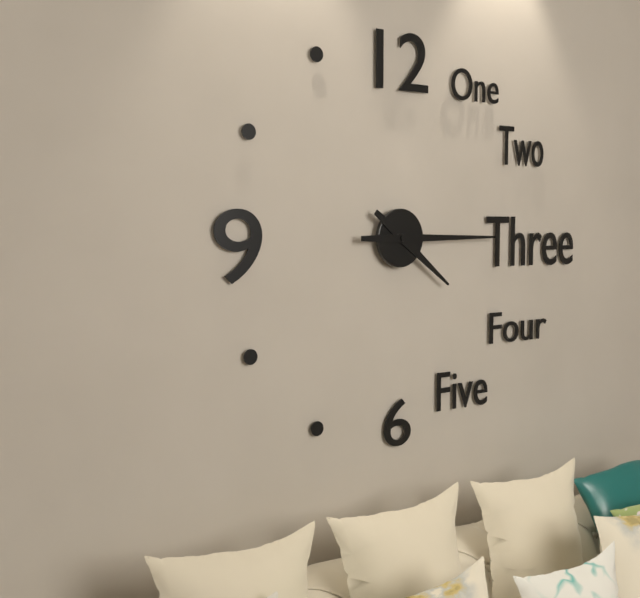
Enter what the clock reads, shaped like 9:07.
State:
4:15
